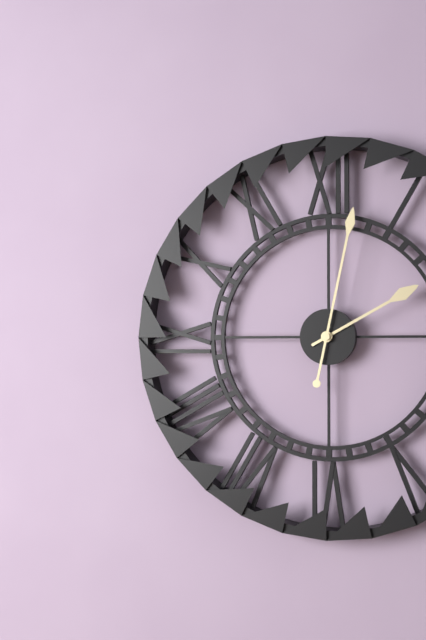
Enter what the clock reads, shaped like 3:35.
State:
2:02
